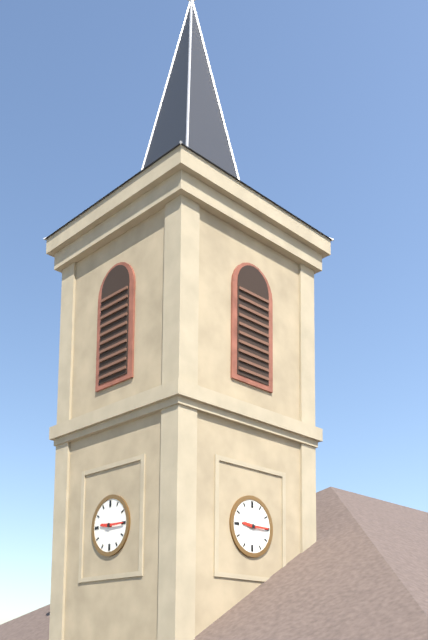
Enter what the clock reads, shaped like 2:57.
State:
9:15
